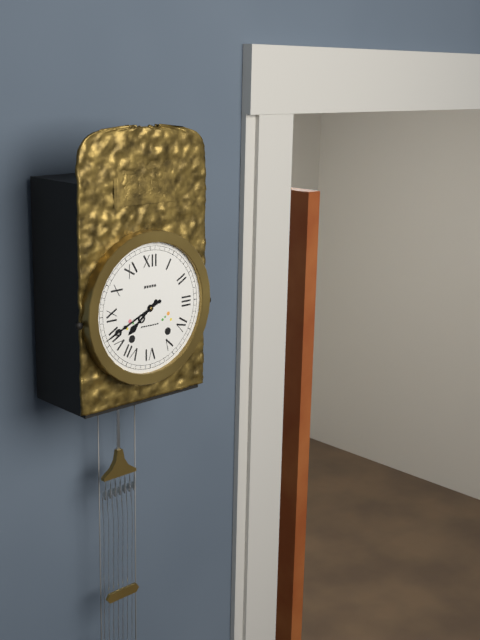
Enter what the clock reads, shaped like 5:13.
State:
7:41
